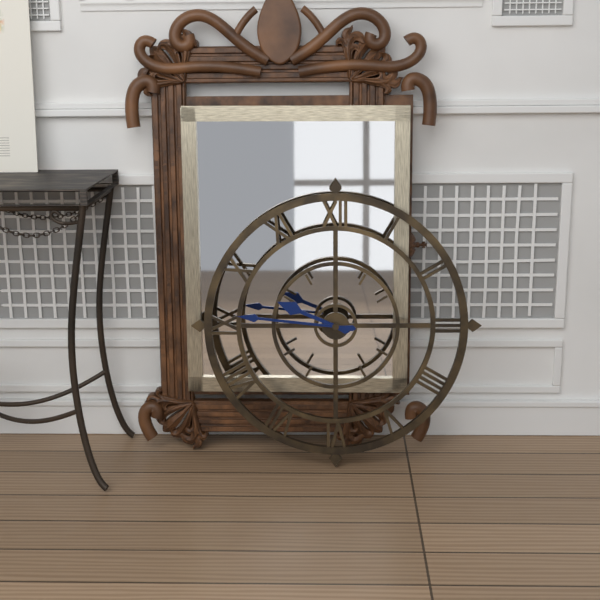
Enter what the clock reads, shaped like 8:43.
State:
9:46
